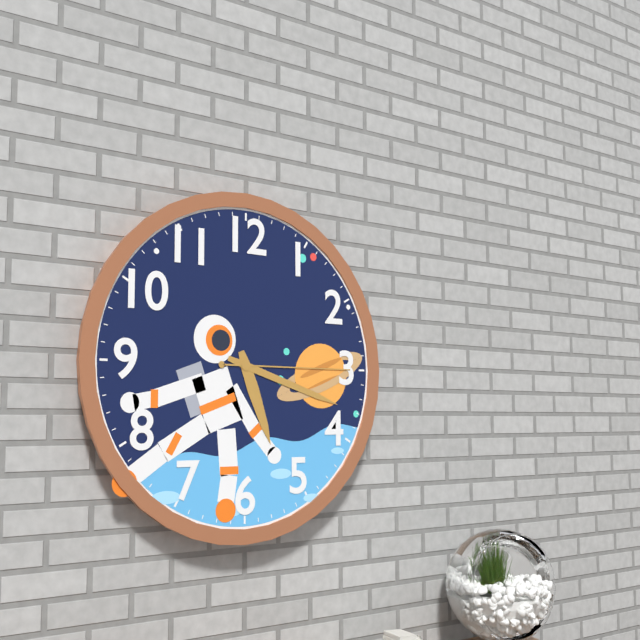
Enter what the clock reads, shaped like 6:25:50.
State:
5:18:15
